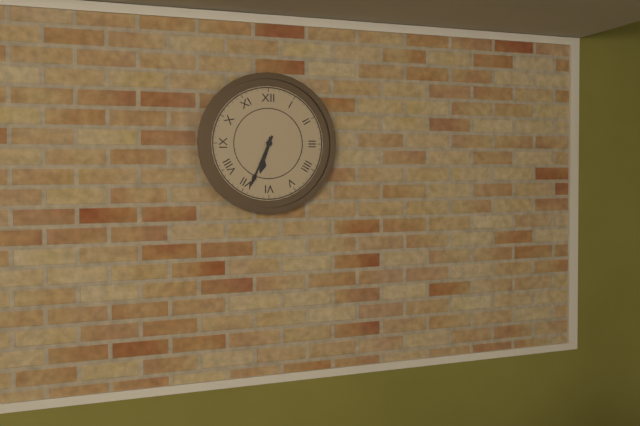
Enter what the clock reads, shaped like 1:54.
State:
6:34
